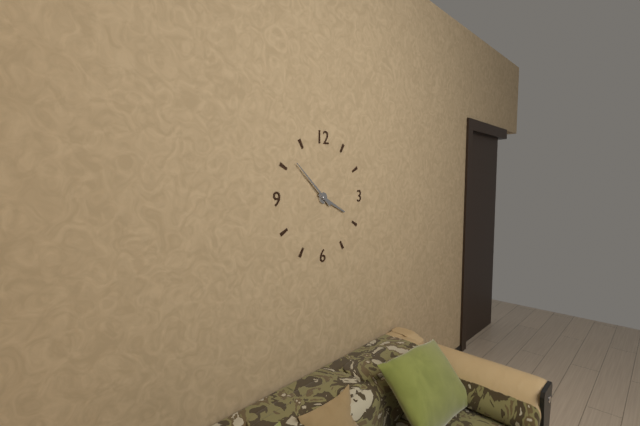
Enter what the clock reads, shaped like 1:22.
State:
3:52
